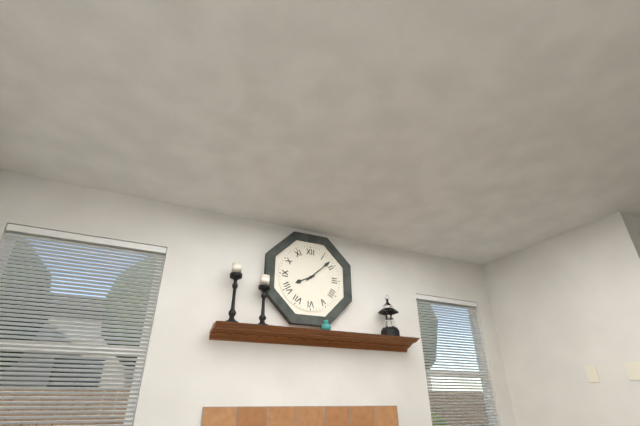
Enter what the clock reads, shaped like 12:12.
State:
8:08
